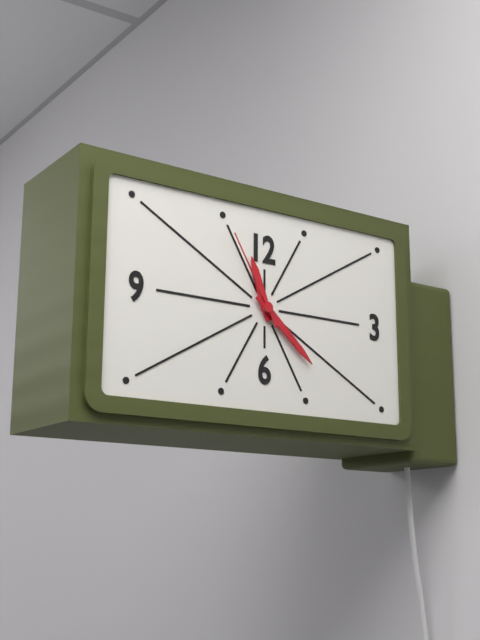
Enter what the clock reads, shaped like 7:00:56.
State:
11:22:55
